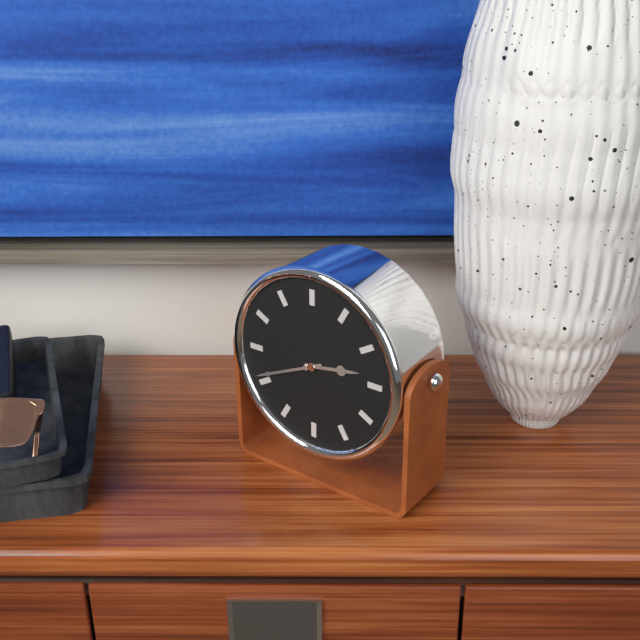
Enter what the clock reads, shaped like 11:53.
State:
2:41
